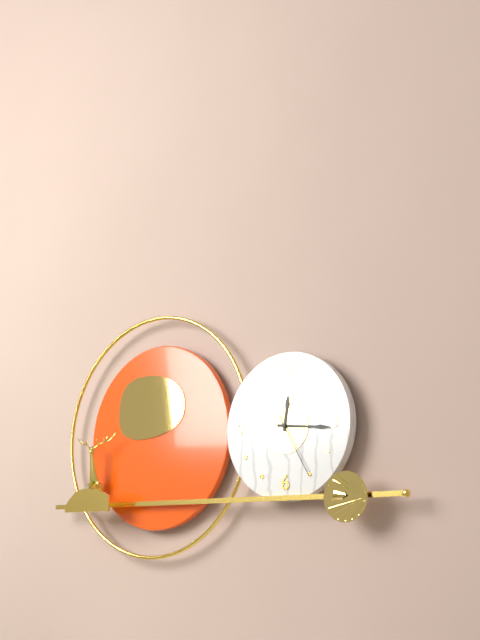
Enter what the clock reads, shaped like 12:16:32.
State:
12:16:25
